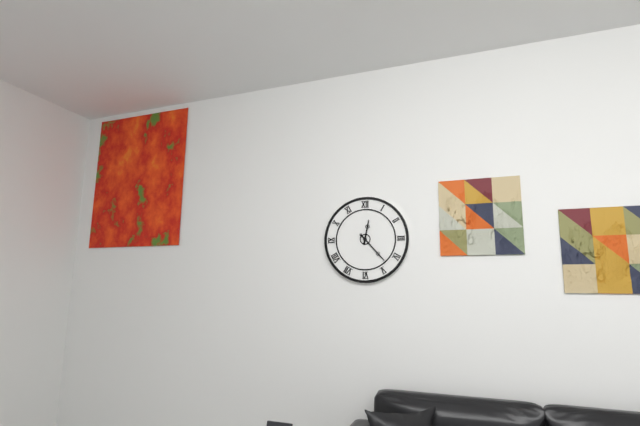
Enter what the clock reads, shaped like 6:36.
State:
12:23
